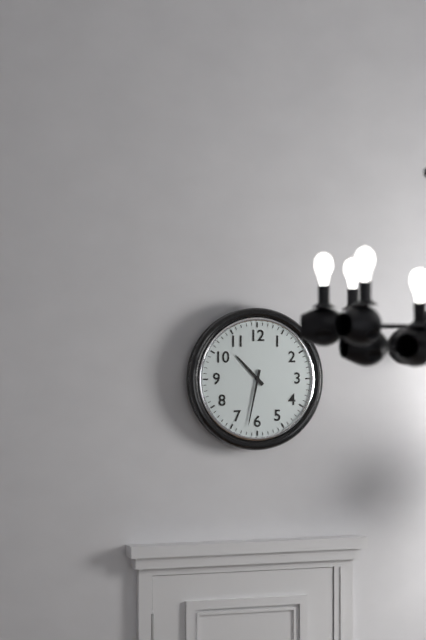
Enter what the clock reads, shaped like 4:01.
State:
10:32
